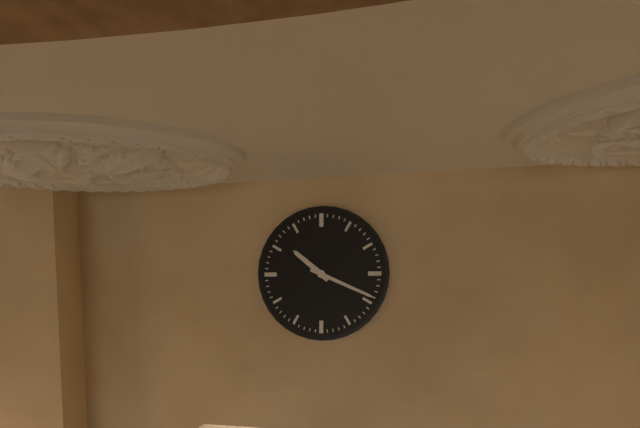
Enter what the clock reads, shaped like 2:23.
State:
10:19
